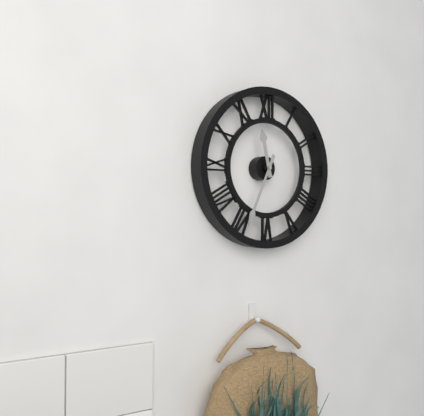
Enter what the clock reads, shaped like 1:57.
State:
11:34
